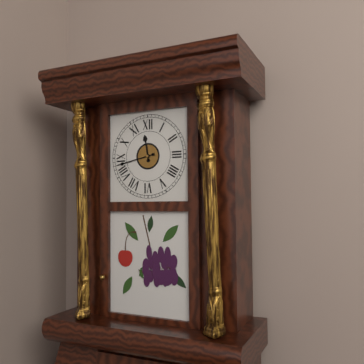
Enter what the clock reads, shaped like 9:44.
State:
11:43
